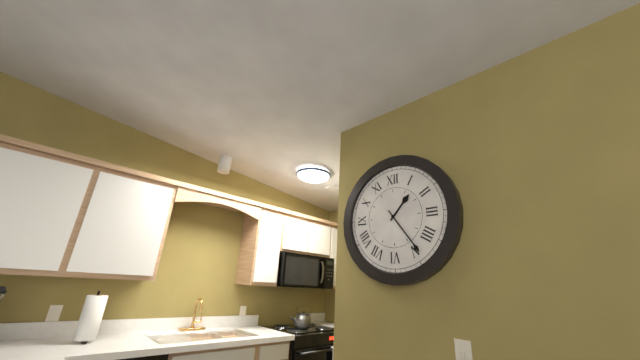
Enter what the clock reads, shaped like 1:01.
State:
1:24
